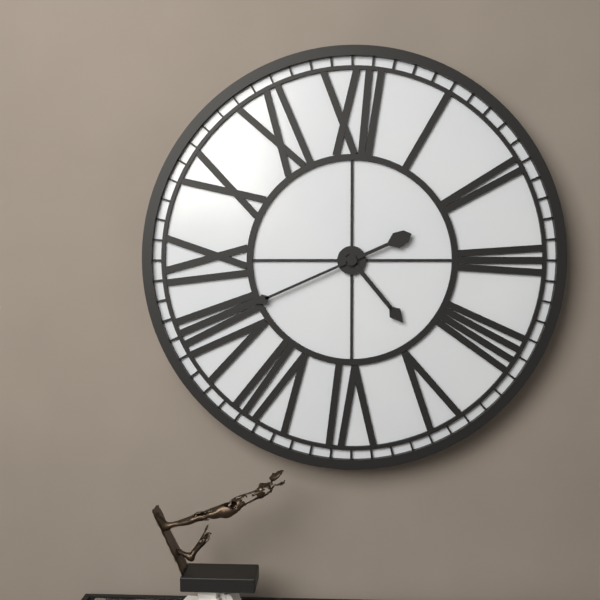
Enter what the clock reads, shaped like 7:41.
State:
4:41
